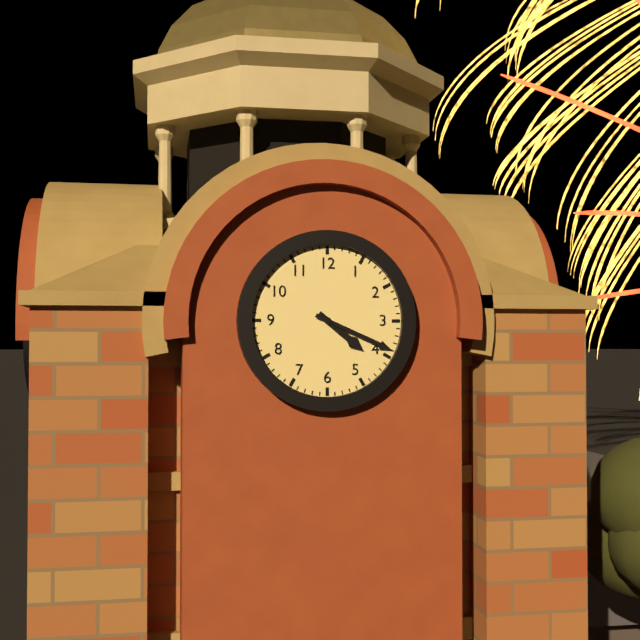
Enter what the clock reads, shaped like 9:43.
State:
4:19
